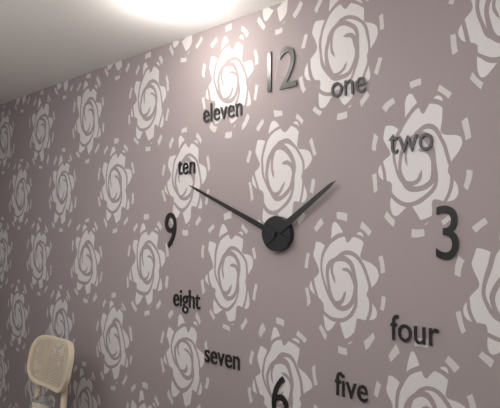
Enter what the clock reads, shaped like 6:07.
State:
1:49
